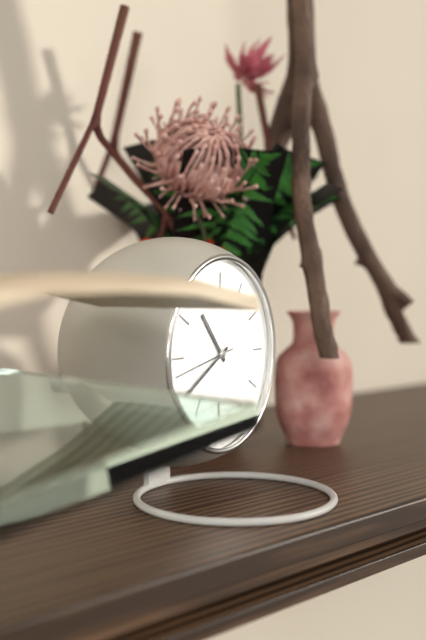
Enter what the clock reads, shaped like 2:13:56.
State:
10:40:43
